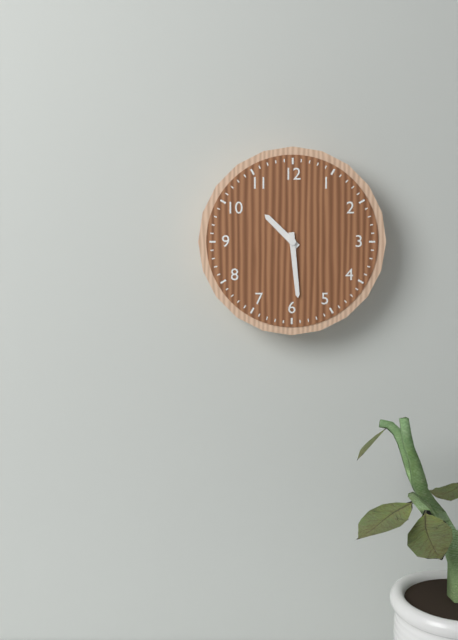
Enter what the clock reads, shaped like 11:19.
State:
10:29
